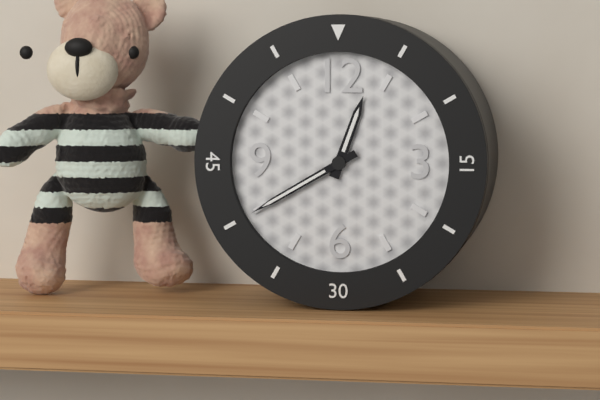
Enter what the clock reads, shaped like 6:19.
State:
12:40
